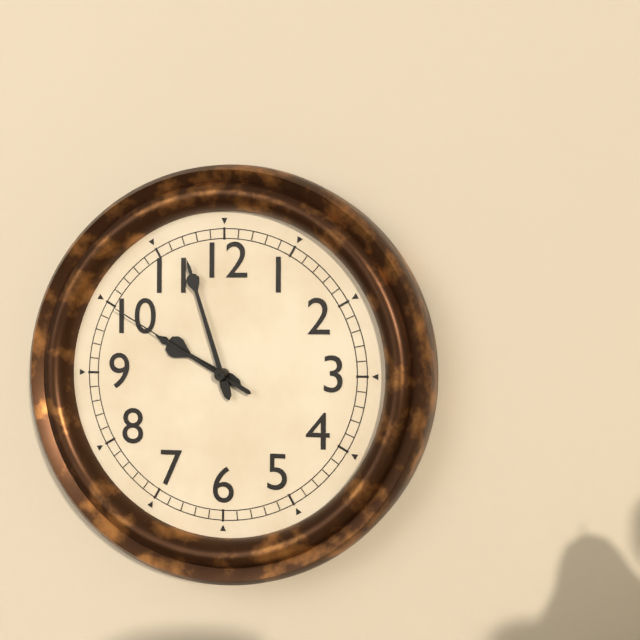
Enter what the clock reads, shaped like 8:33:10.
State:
9:57:50
